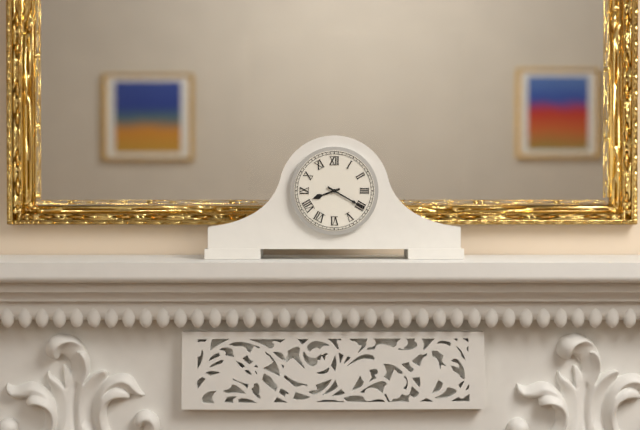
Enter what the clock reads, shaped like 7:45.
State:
8:20
